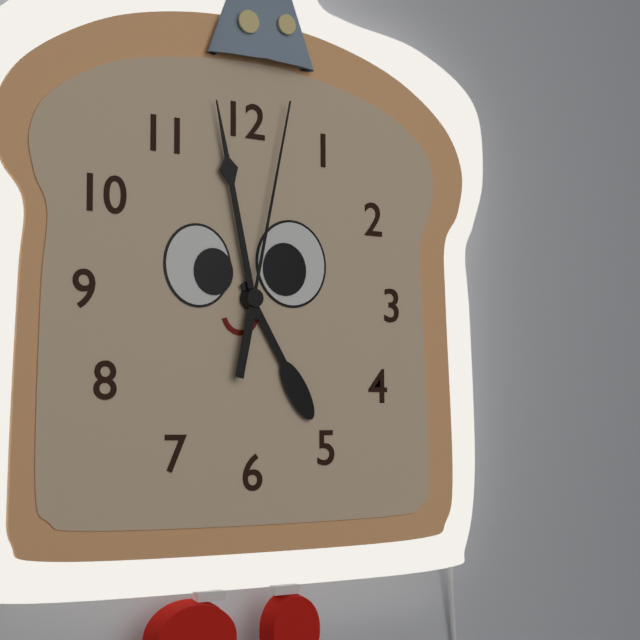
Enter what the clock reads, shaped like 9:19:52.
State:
4:58:02
